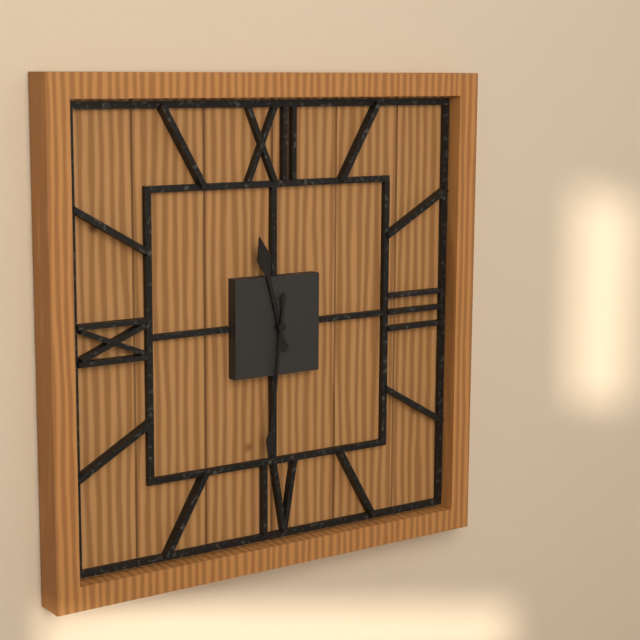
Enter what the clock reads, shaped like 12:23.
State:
11:31
